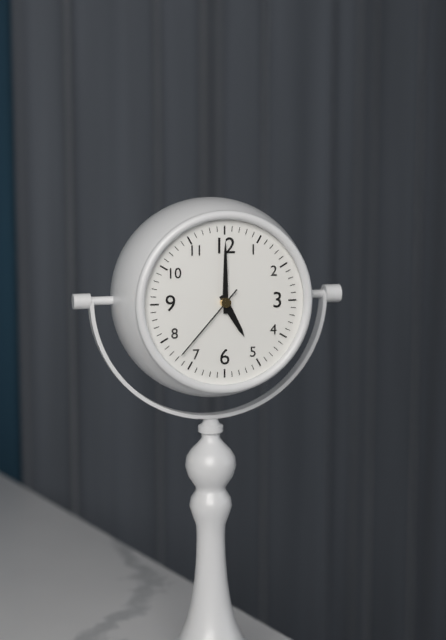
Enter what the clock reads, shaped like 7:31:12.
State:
5:00:37
